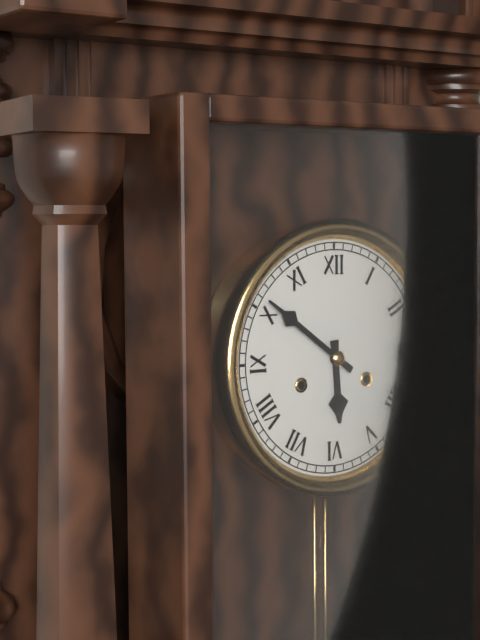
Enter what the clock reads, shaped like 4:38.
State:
5:51
